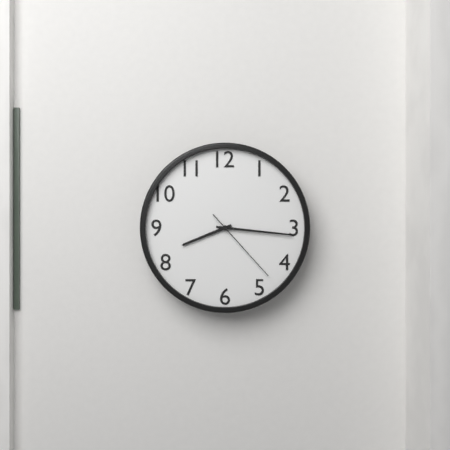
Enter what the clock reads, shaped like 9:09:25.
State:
8:16:23
